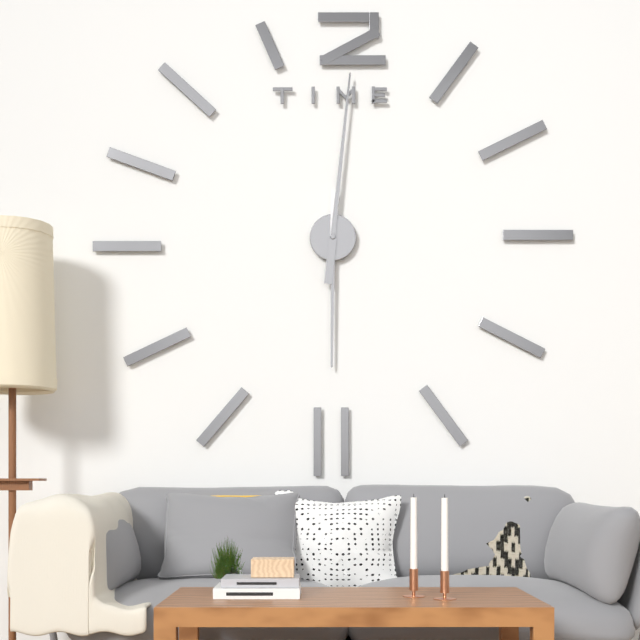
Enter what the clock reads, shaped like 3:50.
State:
6:01
